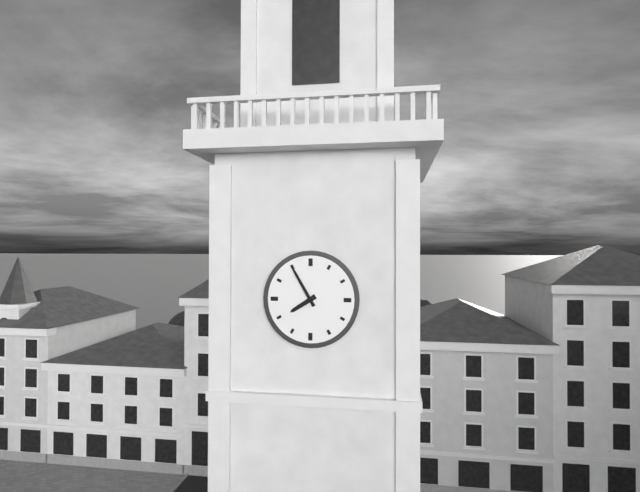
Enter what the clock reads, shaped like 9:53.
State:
7:55
